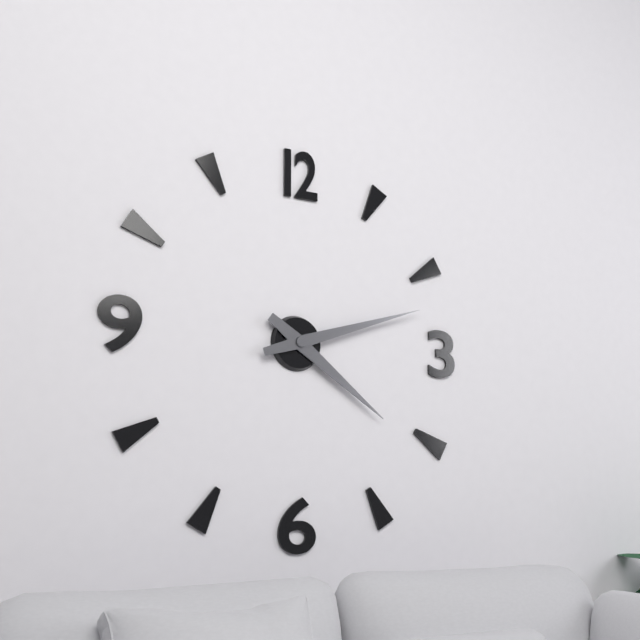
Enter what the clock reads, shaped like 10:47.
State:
4:12
